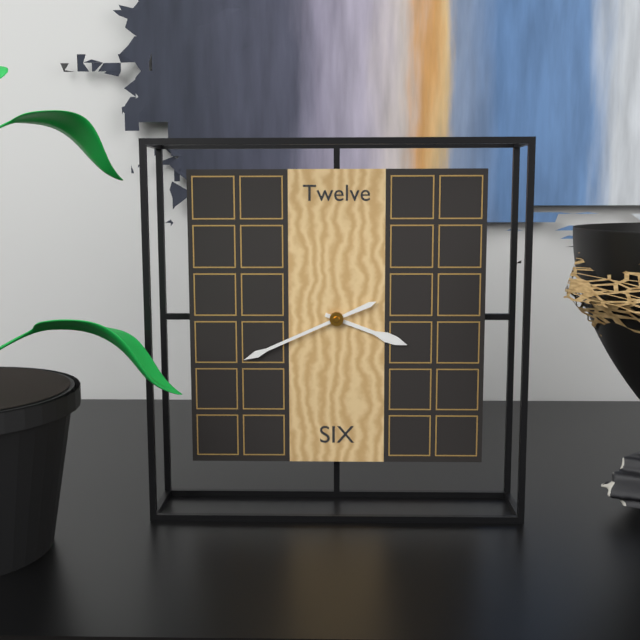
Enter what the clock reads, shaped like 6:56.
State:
3:41
